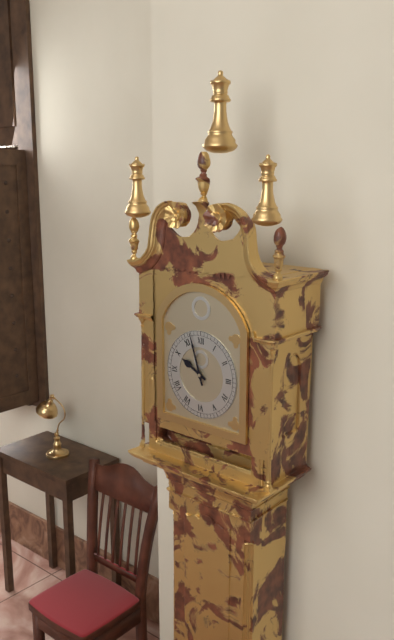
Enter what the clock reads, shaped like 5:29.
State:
9:57
